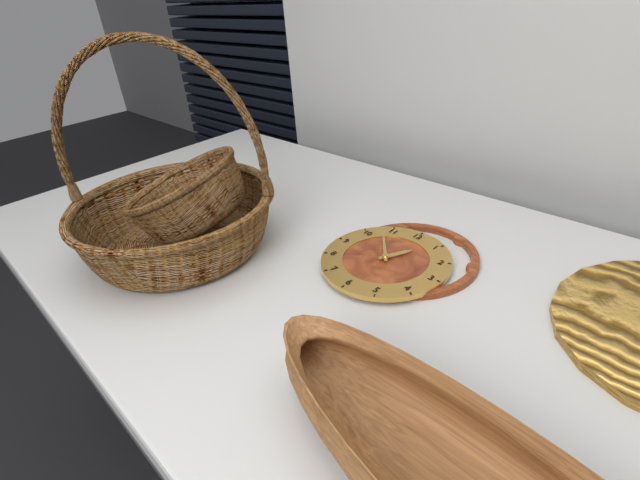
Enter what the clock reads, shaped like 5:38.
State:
12:53
